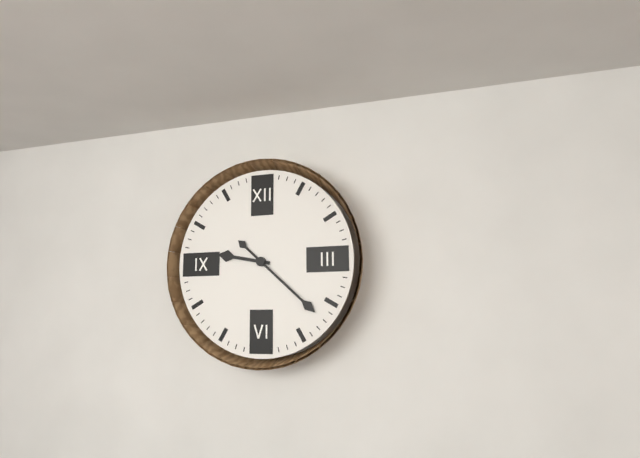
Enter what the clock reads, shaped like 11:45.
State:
9:22
